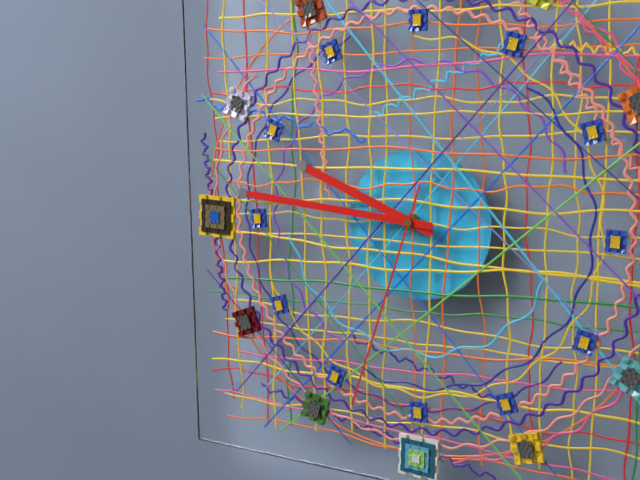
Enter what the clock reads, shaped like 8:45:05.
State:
9:46:33
